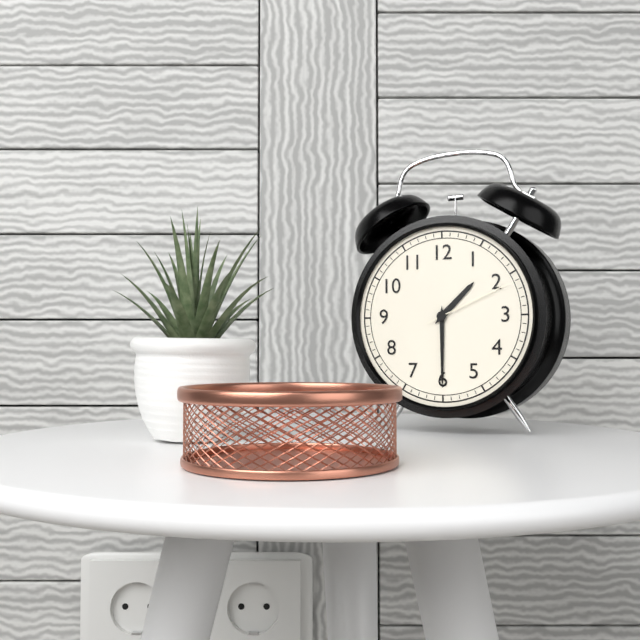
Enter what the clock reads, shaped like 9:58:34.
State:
1:30:11
